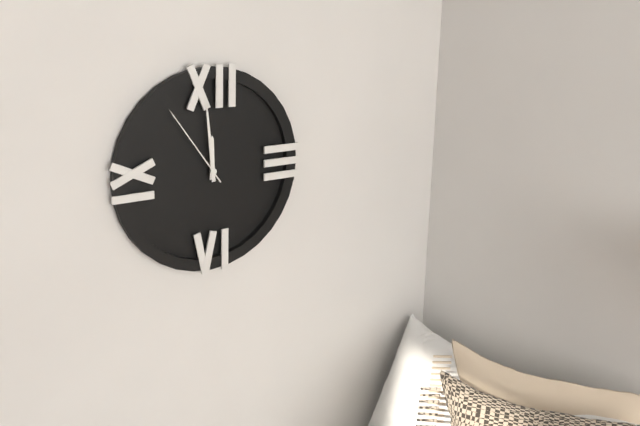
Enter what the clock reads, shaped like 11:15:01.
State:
11:59:54
